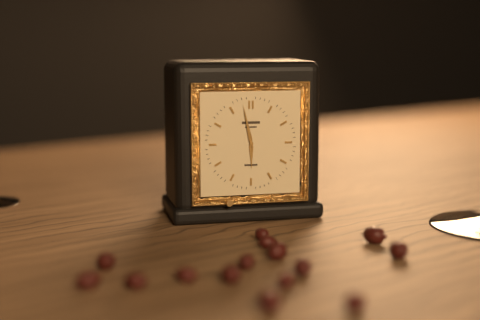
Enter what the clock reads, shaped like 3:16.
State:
5:58
